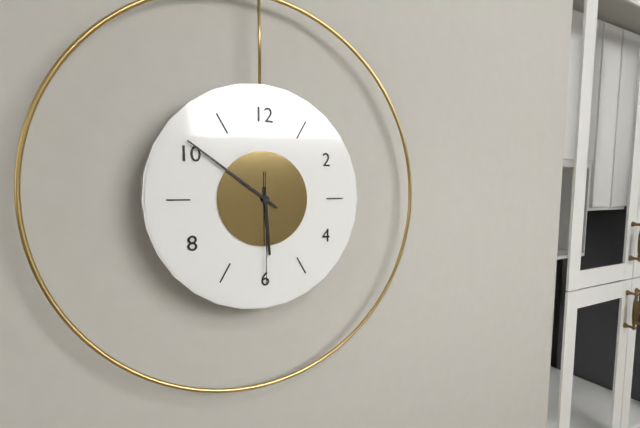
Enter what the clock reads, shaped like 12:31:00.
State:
5:51:30
